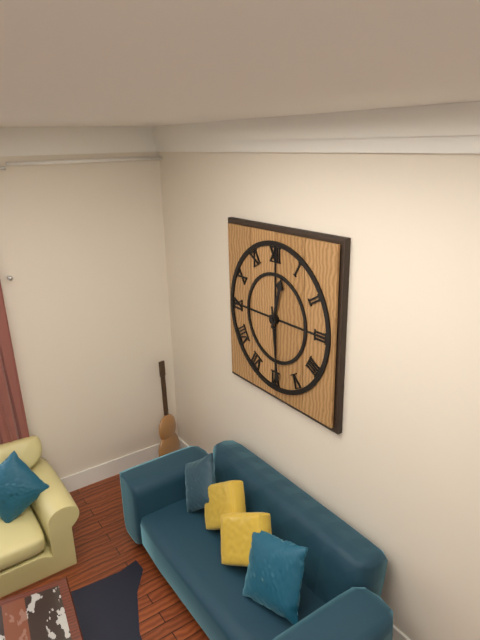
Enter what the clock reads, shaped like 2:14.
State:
12:29
